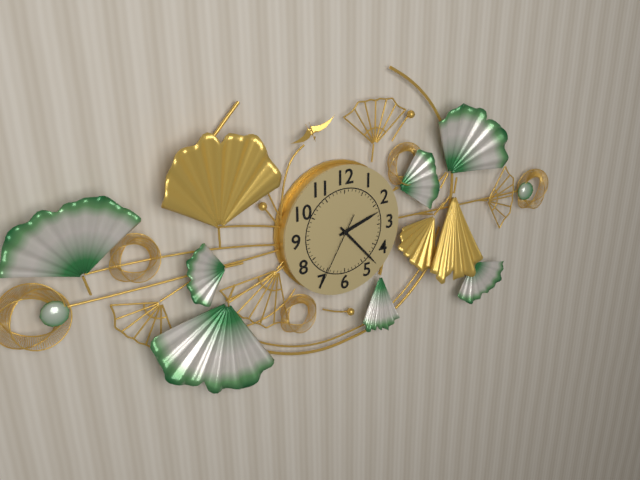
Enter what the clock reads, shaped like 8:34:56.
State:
2:23:35
